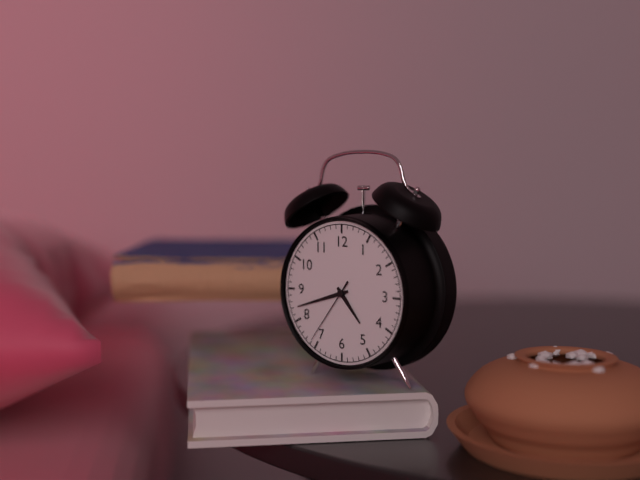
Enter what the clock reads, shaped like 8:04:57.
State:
4:42:36
